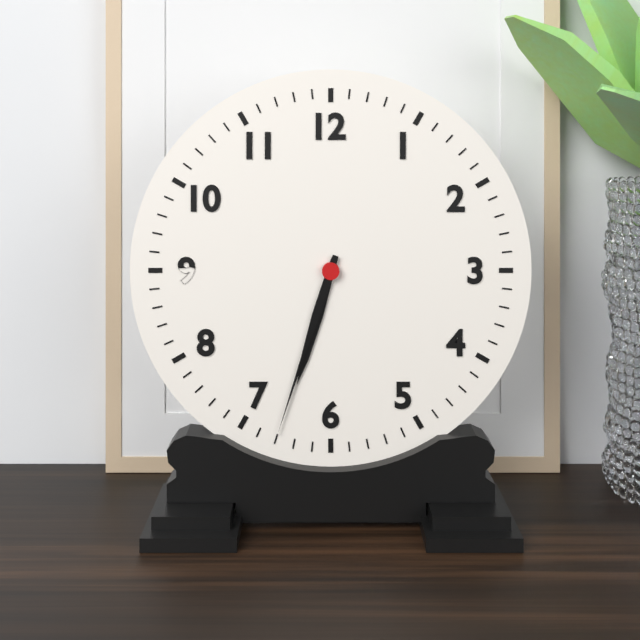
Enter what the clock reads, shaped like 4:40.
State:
6:33
